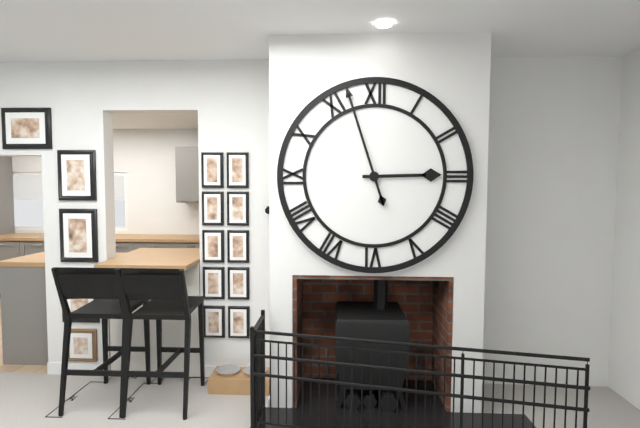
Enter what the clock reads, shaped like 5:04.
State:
2:57
